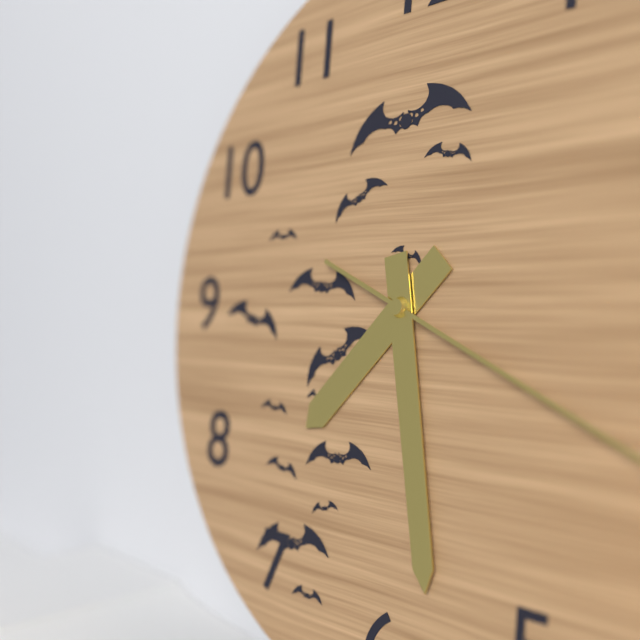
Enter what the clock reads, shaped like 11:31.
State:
7:28
